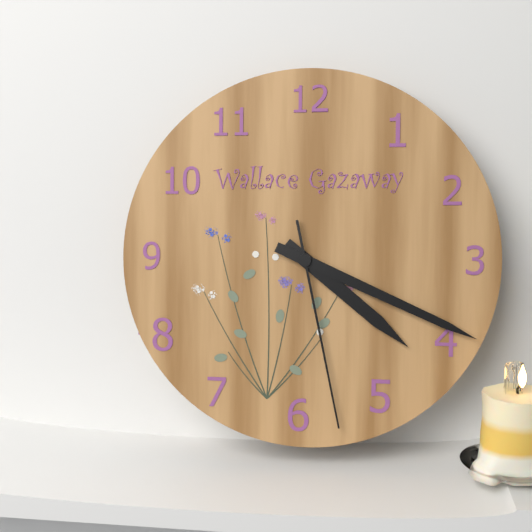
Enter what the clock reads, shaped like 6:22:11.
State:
4:19:28
